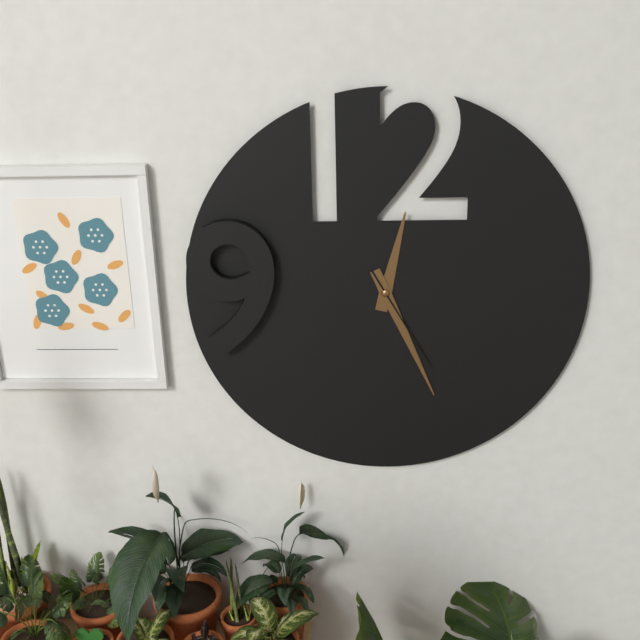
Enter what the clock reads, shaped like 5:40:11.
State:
12:26:25
